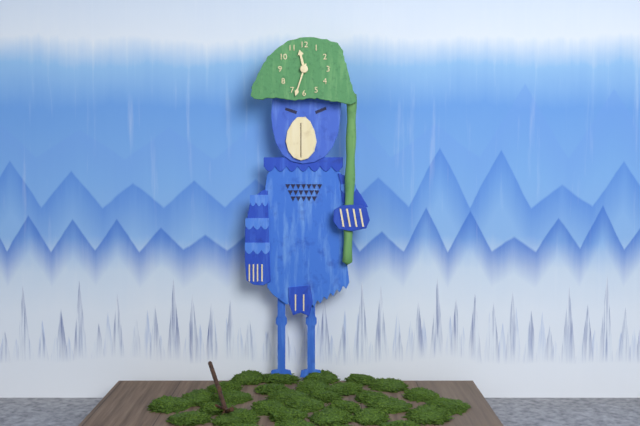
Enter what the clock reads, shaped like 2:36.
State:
11:33
